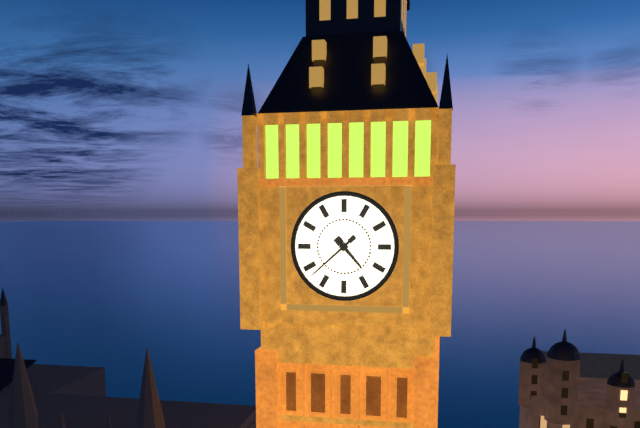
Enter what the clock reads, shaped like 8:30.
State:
4:38
